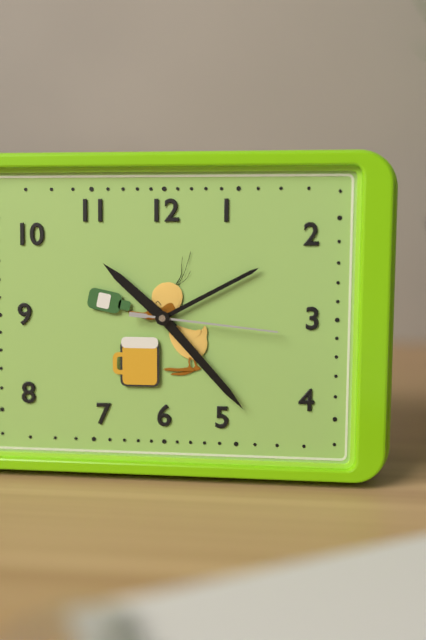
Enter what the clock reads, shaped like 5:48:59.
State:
10:23:16
